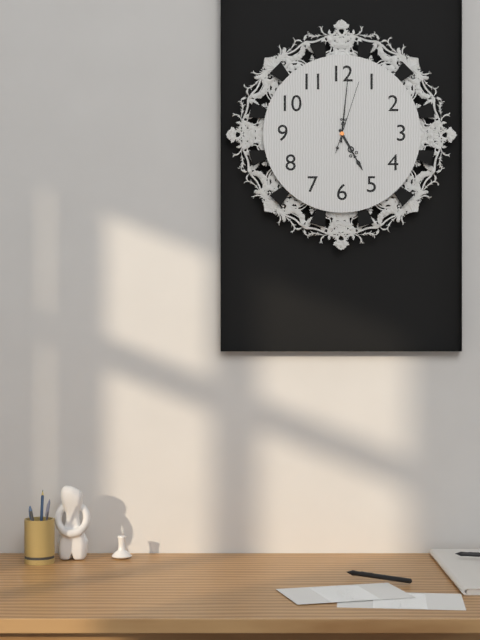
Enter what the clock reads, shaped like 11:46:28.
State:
5:01:03
